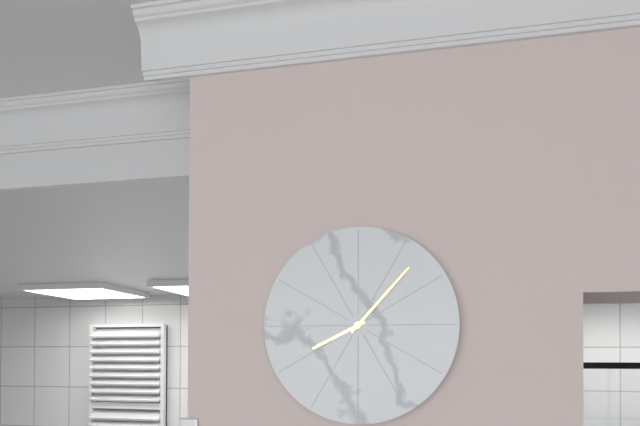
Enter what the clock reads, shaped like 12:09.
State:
8:07
